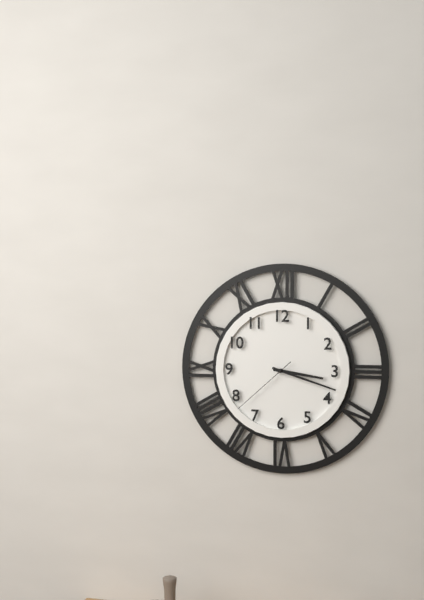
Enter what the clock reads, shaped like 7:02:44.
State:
3:18:38
